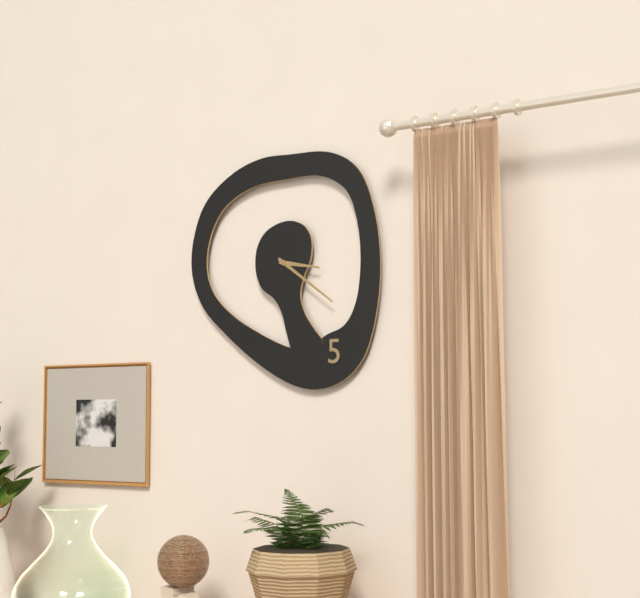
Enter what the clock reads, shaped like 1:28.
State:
3:21
